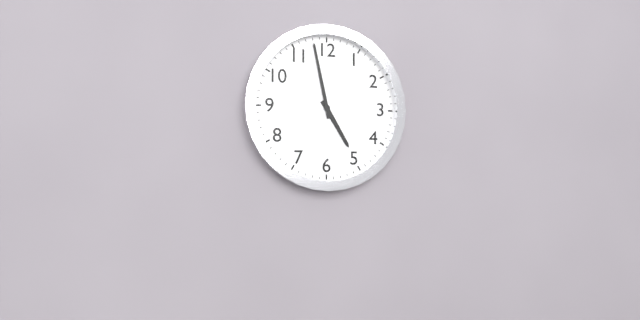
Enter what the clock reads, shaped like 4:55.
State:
4:58
